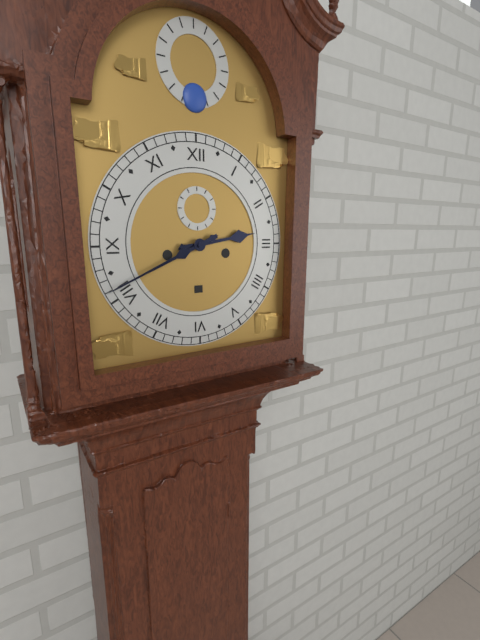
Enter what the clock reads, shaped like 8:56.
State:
2:41
